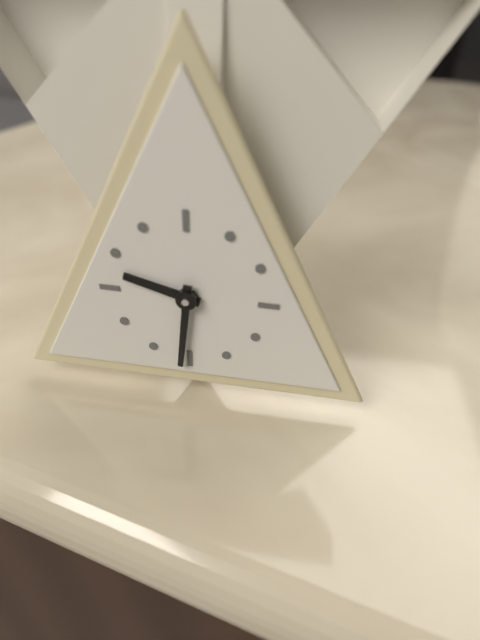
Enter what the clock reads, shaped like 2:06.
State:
9:31
